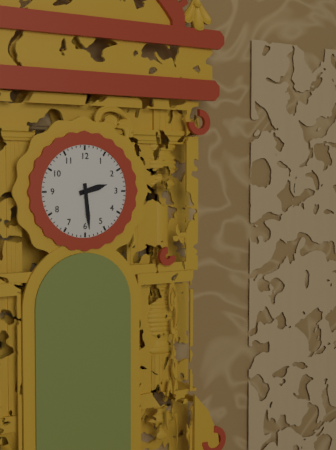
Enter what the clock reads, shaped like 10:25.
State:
2:29
